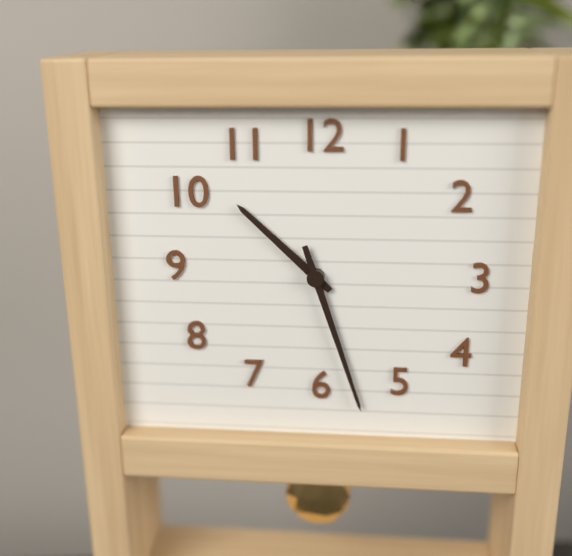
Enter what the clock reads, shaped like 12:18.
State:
10:27
